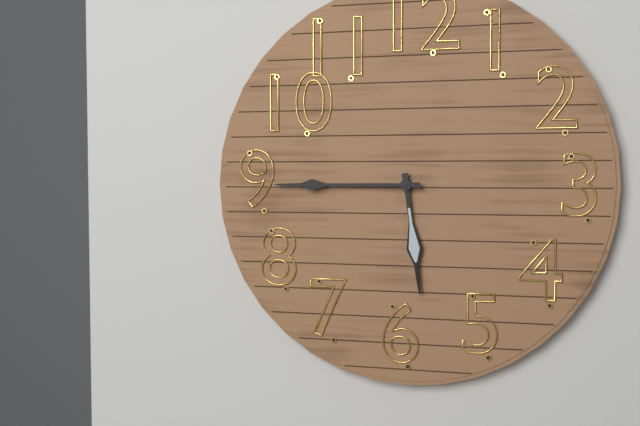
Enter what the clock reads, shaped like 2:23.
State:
5:45
